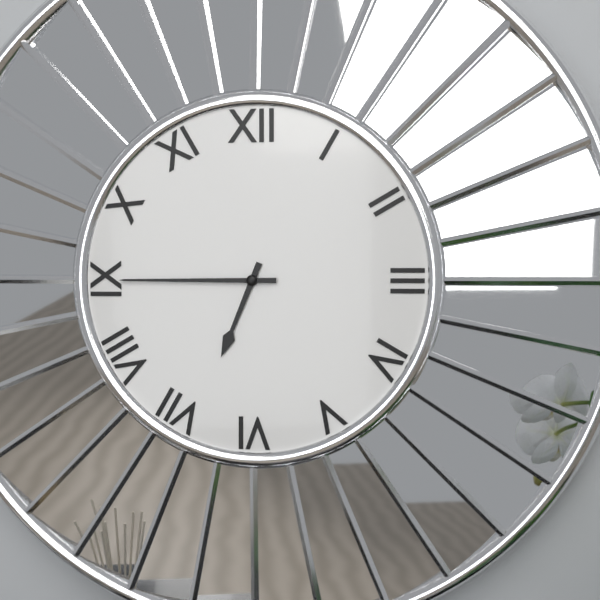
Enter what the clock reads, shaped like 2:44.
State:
6:45
